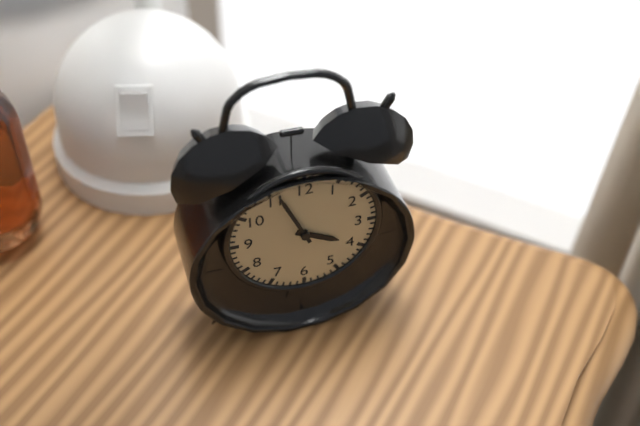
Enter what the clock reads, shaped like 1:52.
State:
3:56
